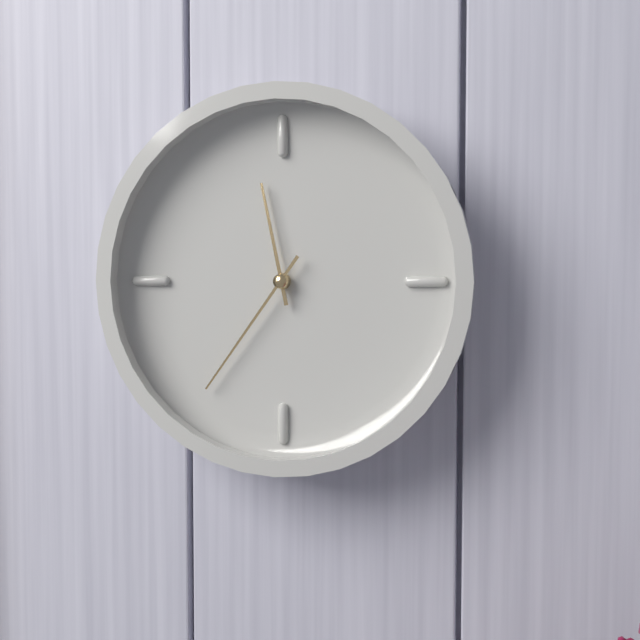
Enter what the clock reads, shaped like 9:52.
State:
11:36
